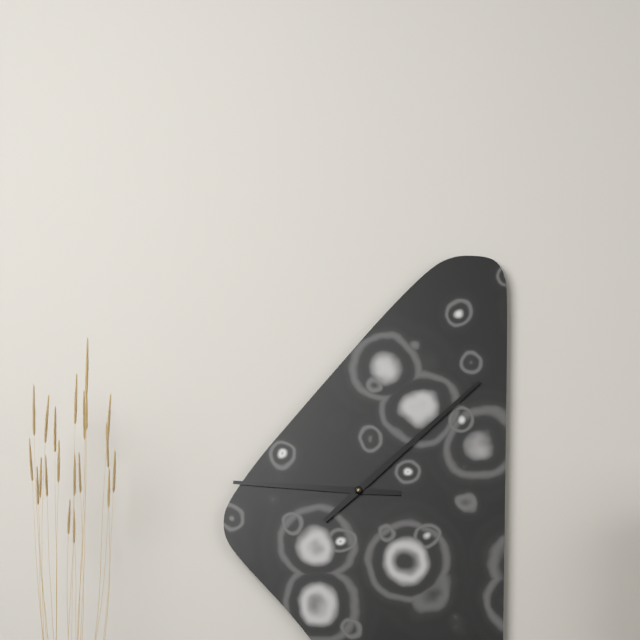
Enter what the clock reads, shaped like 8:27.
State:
9:08
